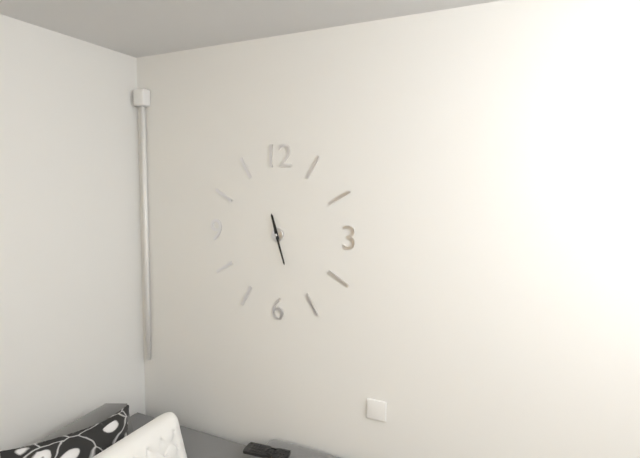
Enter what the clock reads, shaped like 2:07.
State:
11:27
